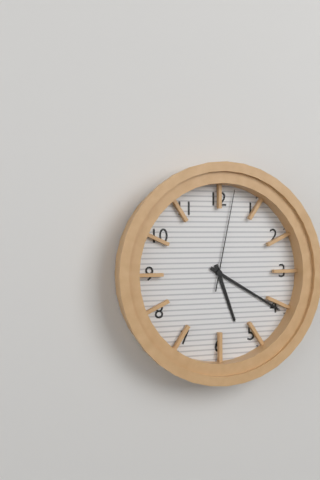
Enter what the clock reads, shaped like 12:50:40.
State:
5:20:02
